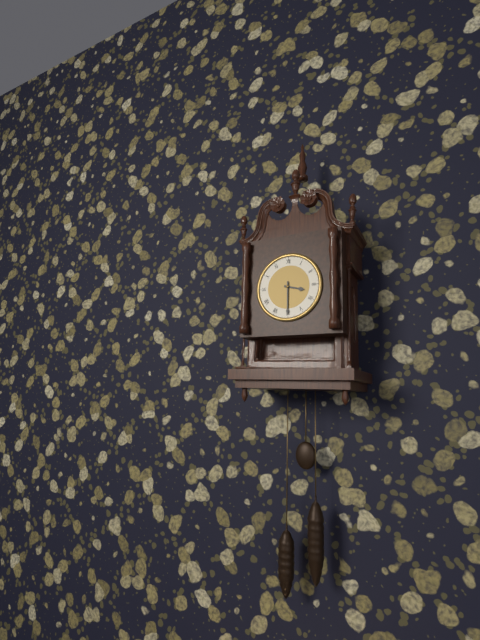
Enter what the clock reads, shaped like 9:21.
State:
3:30
